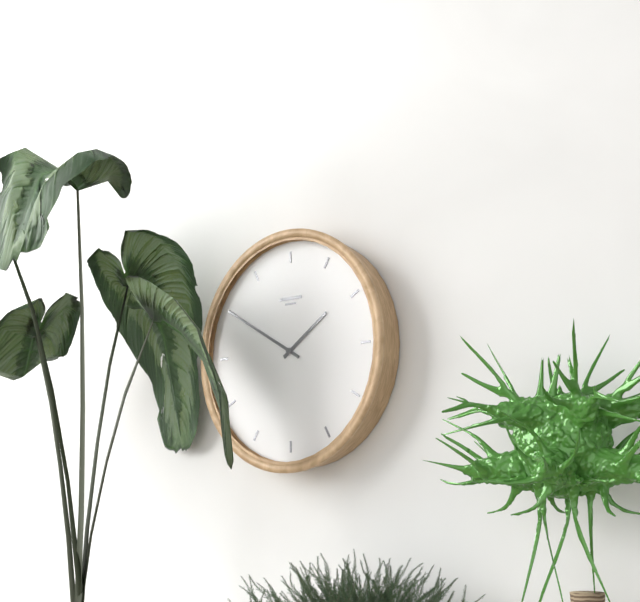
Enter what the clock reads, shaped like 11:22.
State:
1:50
